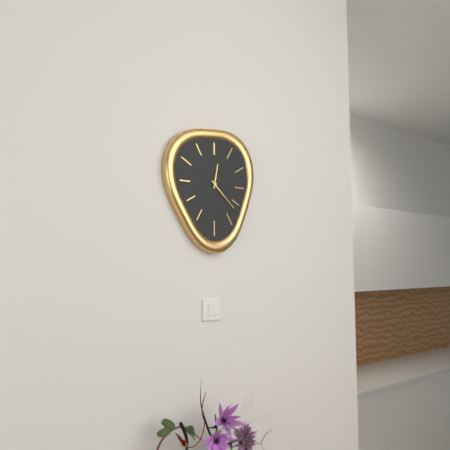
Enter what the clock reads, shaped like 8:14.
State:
12:22
